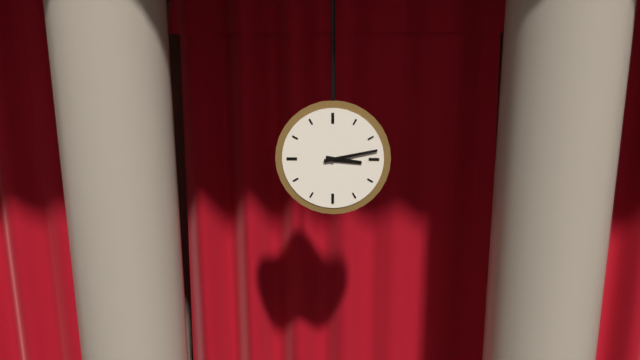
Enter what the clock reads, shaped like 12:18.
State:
3:13
